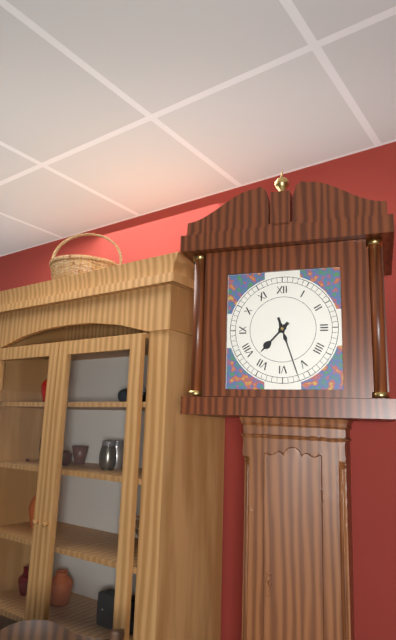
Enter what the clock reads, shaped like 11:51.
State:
7:27
